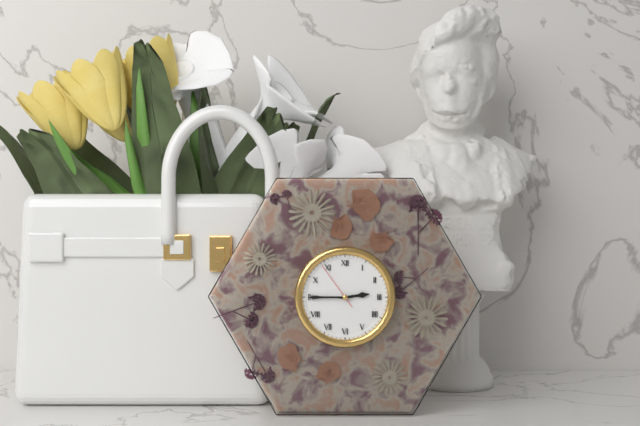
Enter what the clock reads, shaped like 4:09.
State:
2:45
